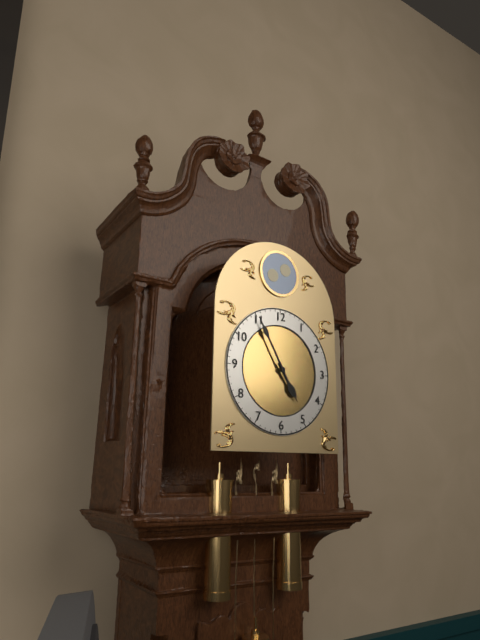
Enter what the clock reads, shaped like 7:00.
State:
4:55
